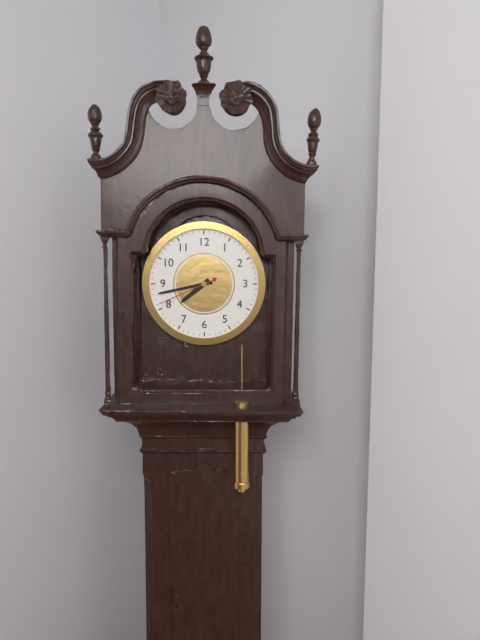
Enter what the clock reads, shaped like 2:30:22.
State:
7:43:41
